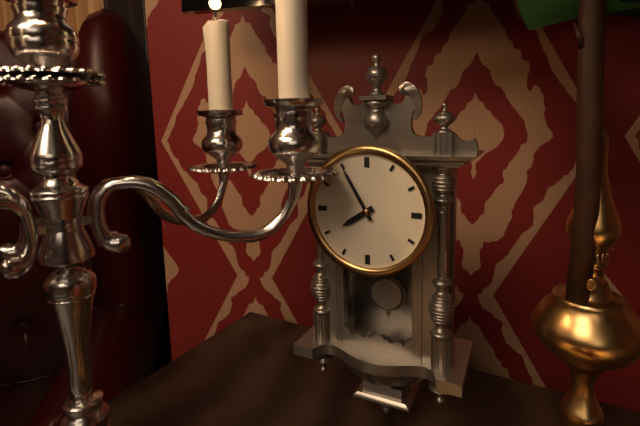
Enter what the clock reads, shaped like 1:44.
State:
7:55
